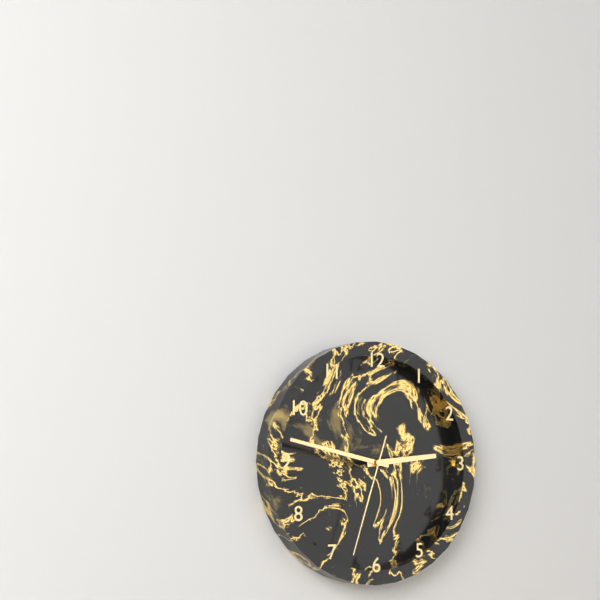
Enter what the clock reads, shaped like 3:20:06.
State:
2:47:33
